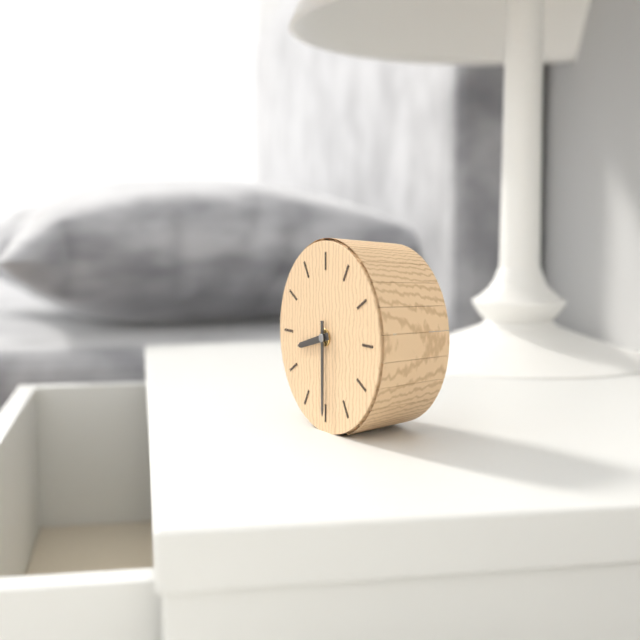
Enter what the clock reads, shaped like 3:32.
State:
8:30
